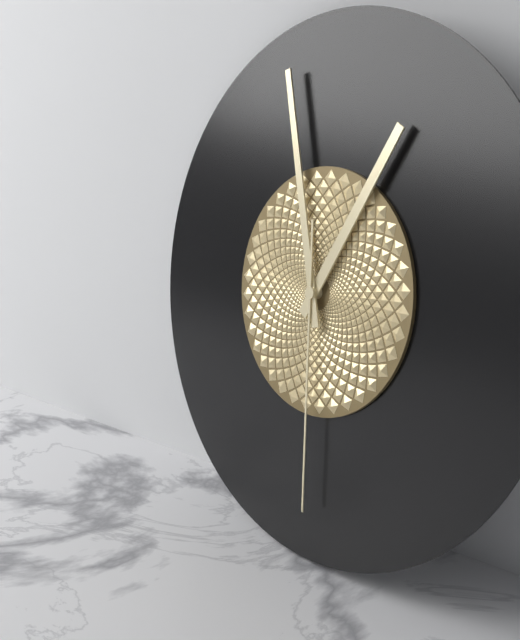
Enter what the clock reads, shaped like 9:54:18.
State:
12:57:29
